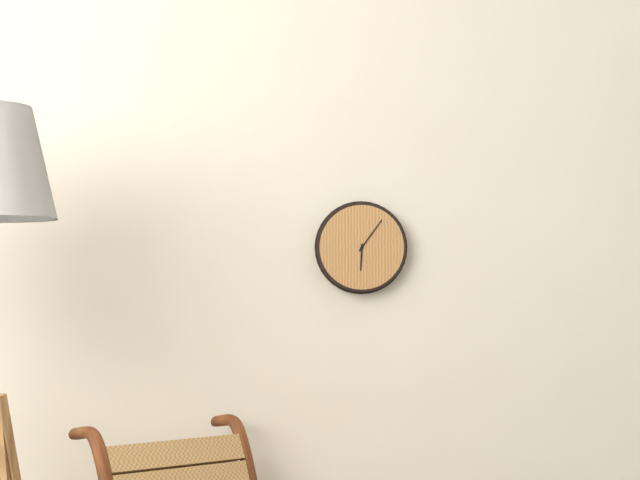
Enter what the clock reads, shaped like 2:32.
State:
6:06
